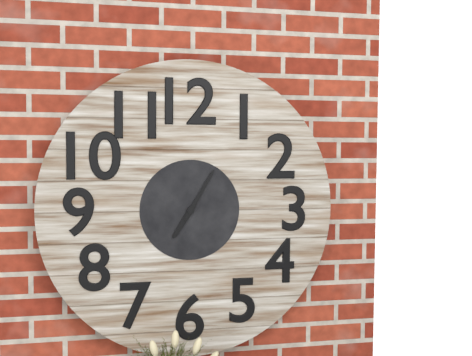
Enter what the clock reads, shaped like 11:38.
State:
7:05
